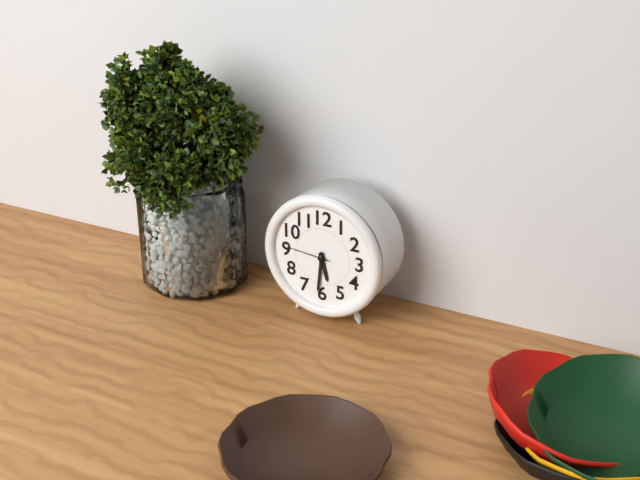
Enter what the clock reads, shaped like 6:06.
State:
5:31
